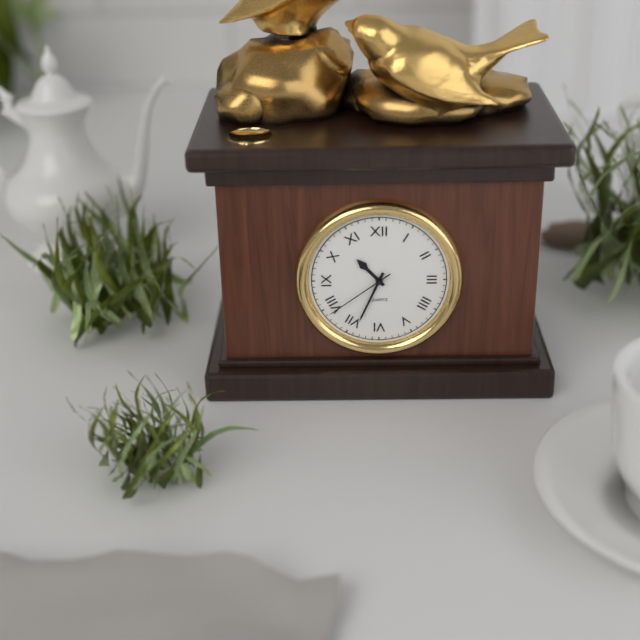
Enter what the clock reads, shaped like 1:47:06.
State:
10:34:39
